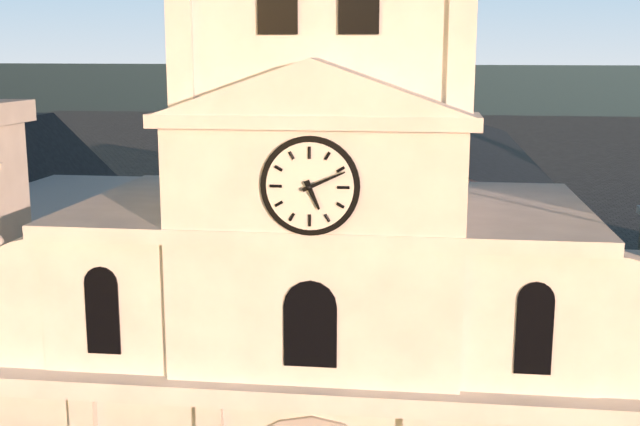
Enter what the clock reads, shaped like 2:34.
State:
5:11
